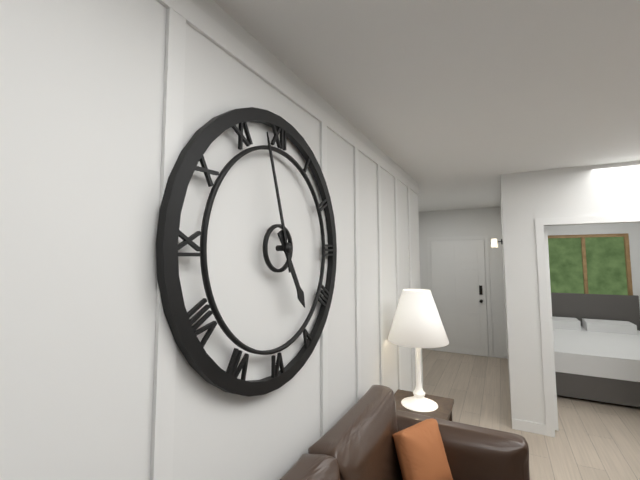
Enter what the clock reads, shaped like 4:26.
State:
4:57
